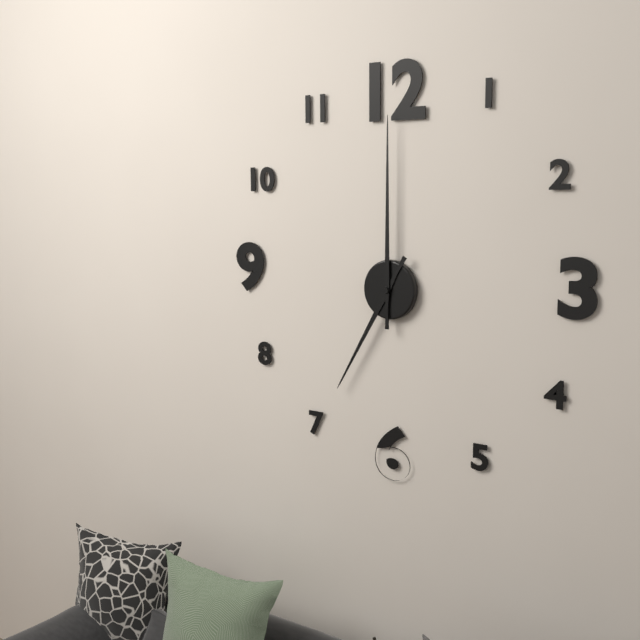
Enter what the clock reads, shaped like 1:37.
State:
7:00
